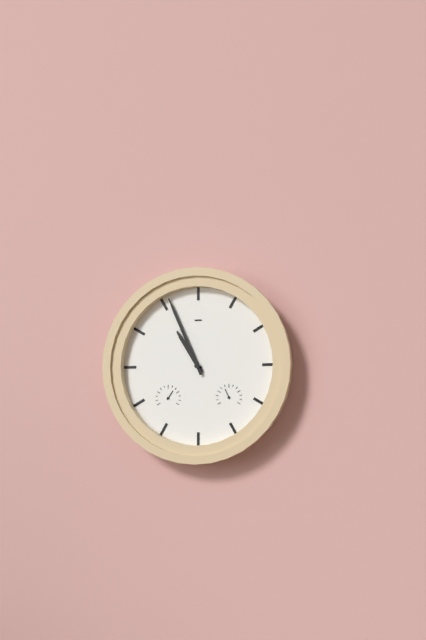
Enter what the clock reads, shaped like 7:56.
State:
10:56
